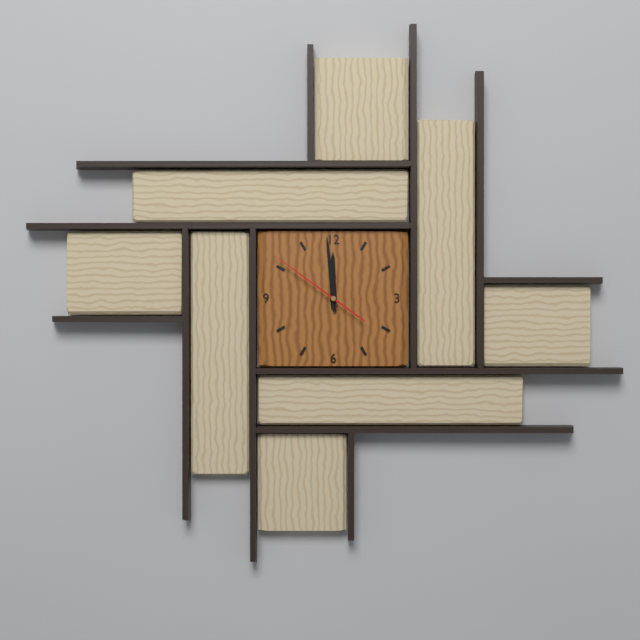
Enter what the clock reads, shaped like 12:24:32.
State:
11:59:51
